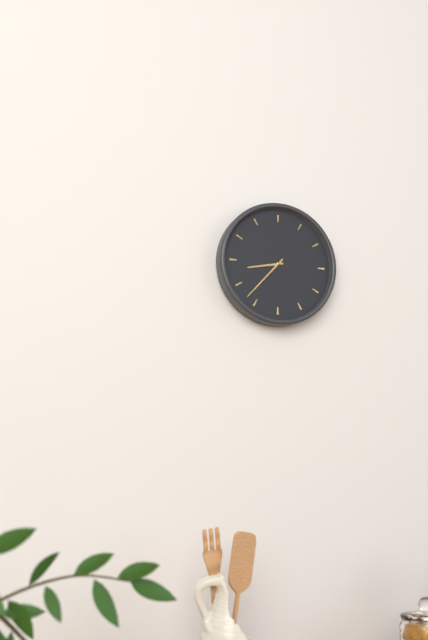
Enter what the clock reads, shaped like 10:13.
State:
8:37
